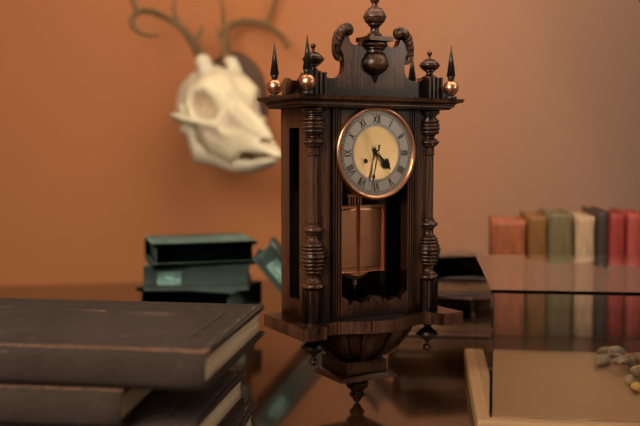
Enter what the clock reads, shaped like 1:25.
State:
4:32
